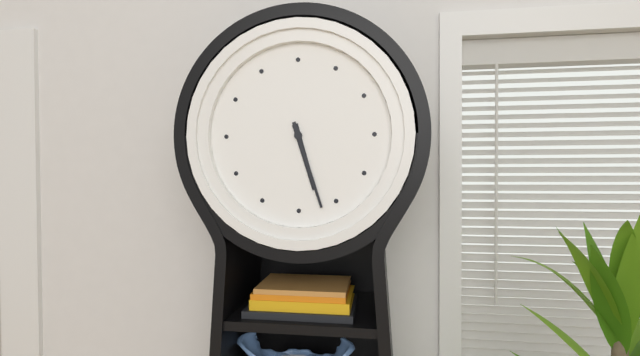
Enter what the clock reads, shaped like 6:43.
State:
5:27
